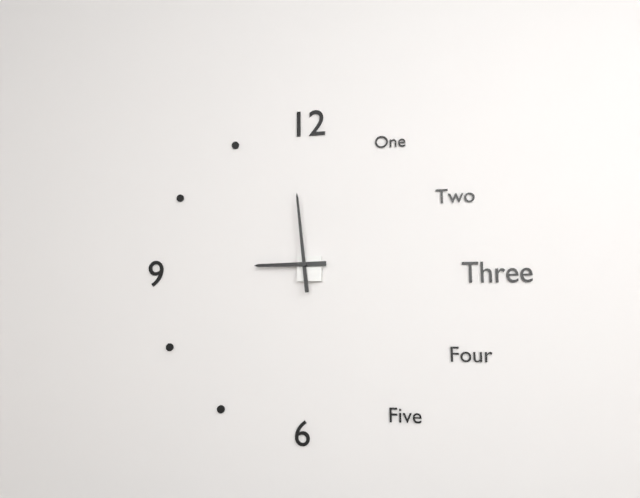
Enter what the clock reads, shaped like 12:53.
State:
8:59
